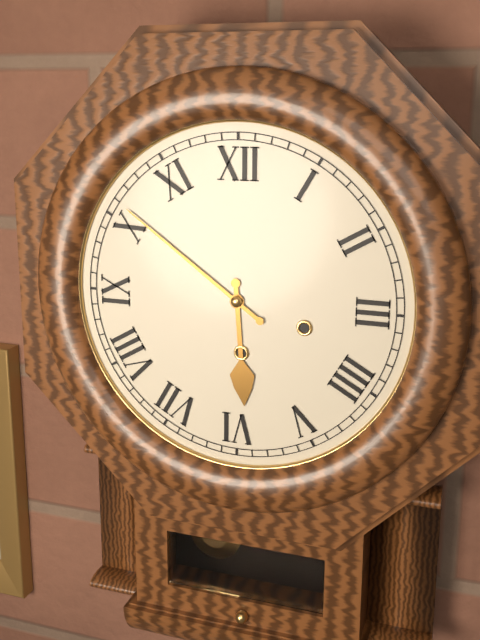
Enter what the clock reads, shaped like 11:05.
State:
5:51
